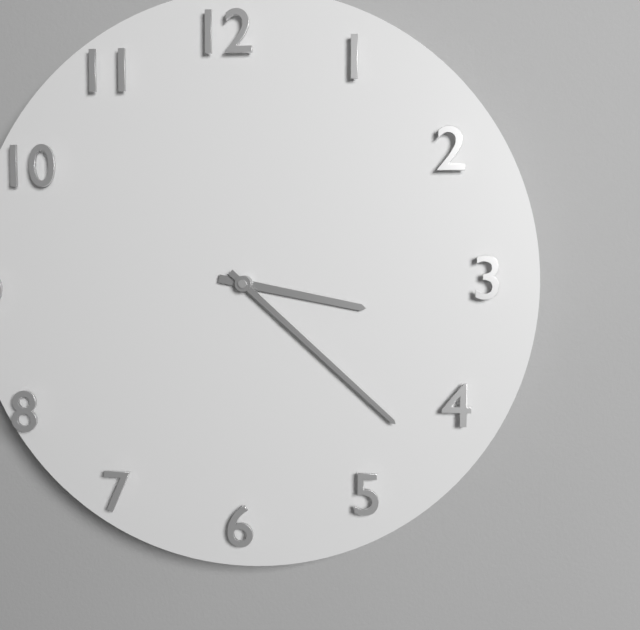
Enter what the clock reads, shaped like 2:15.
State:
3:22
